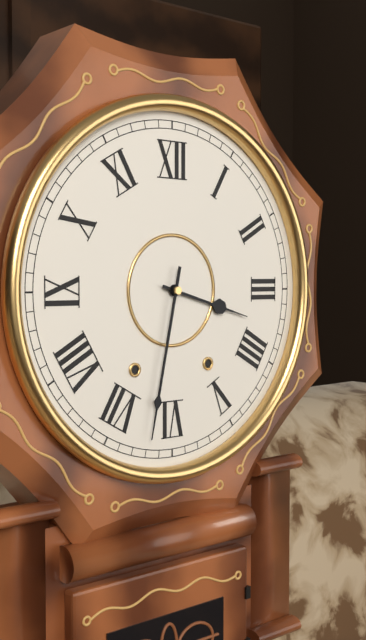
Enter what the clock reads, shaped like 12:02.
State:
3:32
